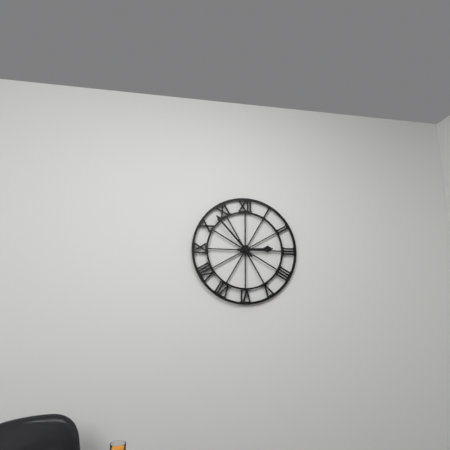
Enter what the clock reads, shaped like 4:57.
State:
2:53
